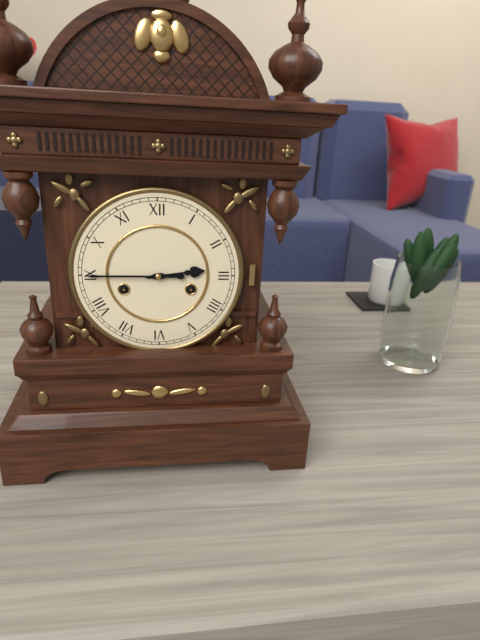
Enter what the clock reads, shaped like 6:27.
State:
2:45
